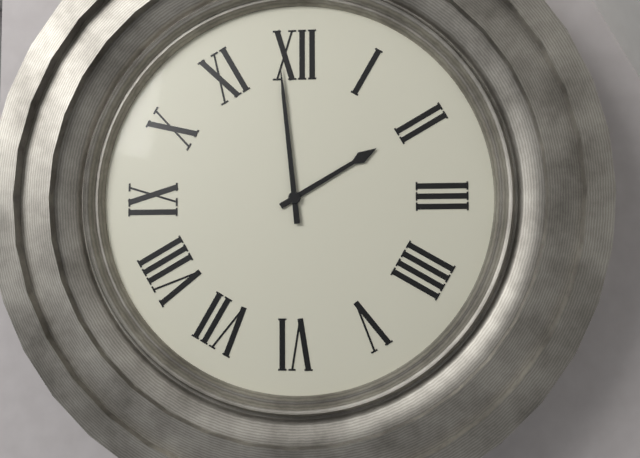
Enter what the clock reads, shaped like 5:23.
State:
1:59
